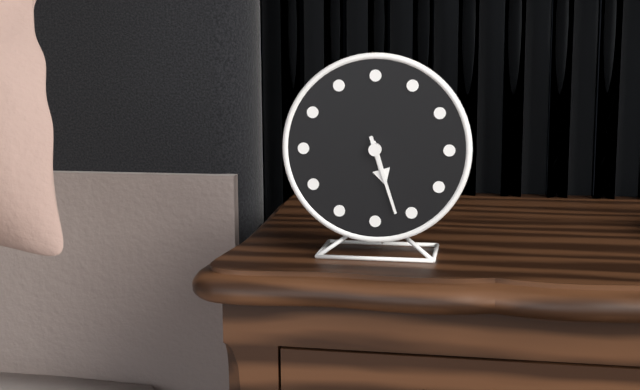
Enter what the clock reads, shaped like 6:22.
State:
5:27
